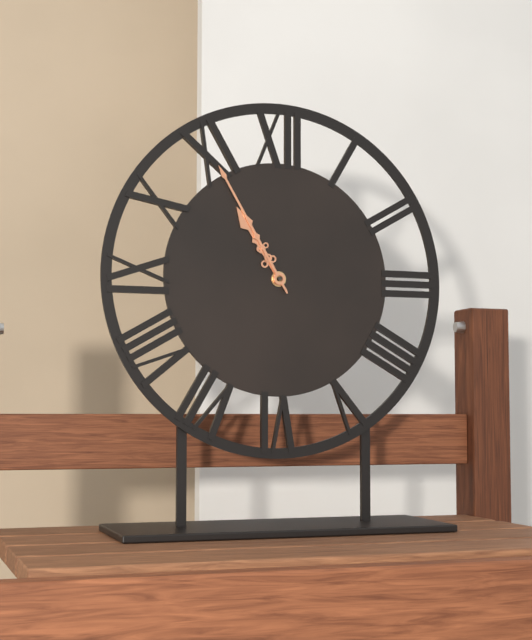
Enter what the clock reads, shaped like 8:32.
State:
10:55
